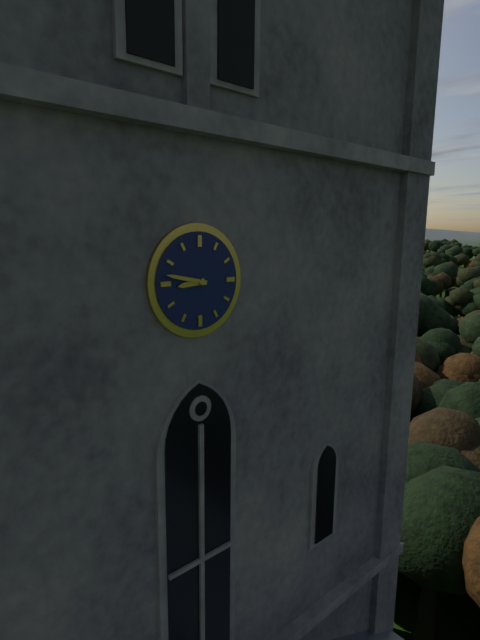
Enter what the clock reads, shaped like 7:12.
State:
8:47
